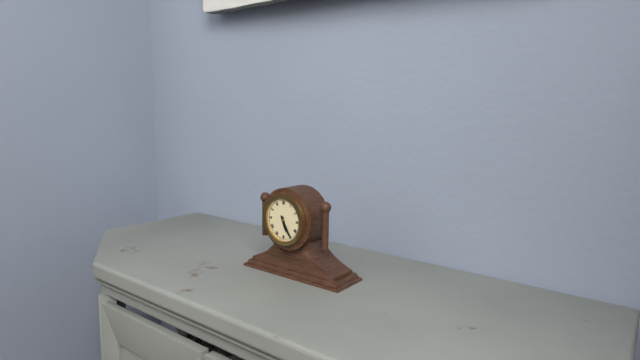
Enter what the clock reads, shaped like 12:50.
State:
5:25
